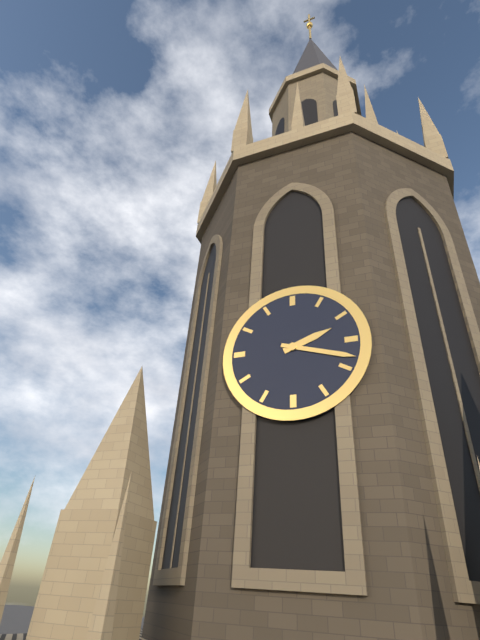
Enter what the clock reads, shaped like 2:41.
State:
2:18
